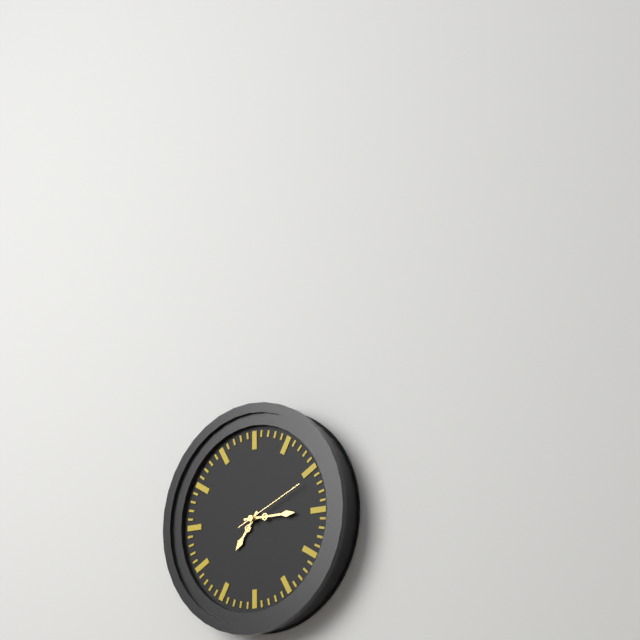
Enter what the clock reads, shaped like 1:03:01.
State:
7:15:11
